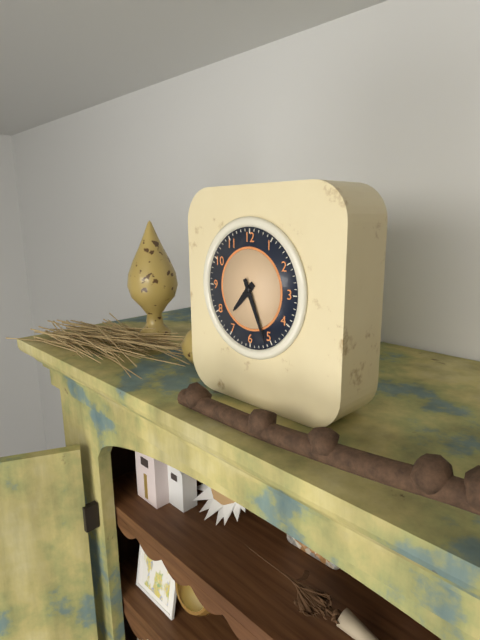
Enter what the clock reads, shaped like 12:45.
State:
7:26
